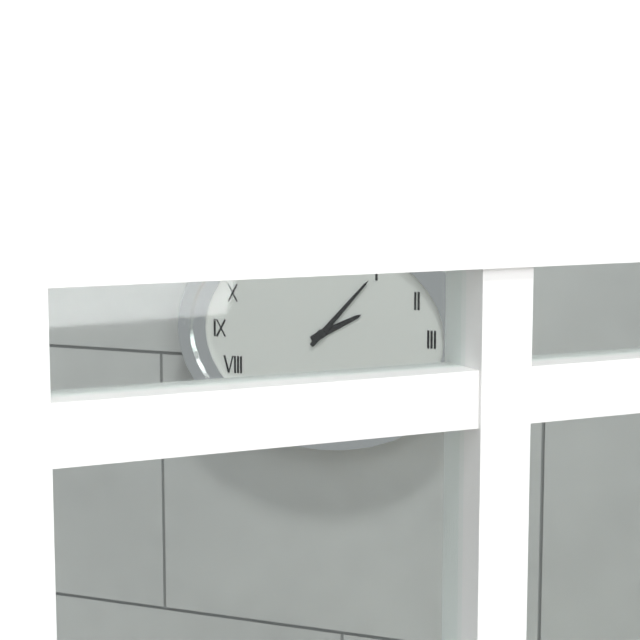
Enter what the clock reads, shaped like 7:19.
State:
2:07
